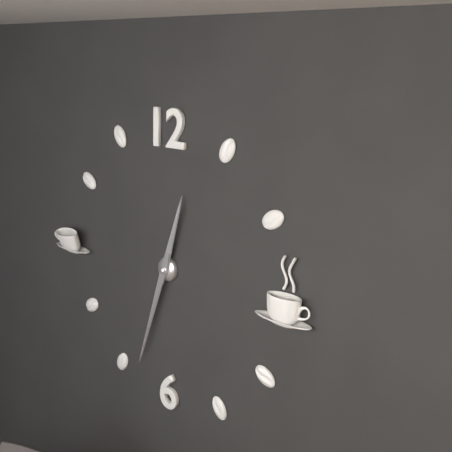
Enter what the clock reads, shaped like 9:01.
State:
12:33
